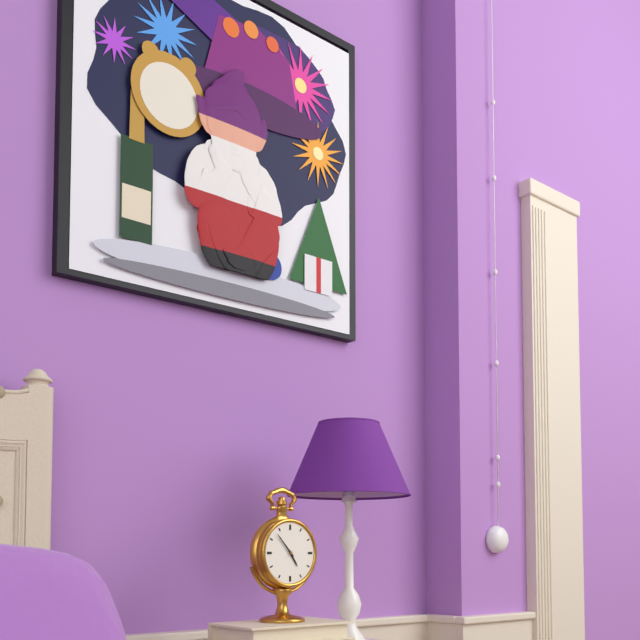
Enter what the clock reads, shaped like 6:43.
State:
4:53
